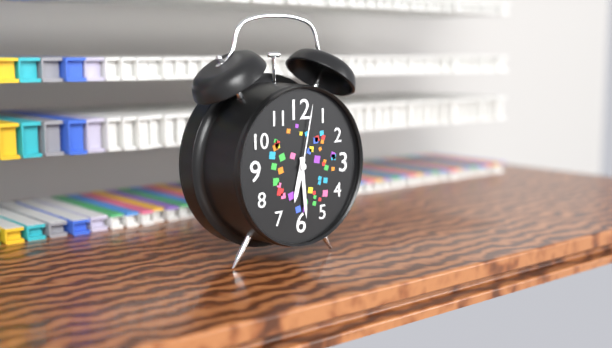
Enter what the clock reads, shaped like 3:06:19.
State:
6:29:02
